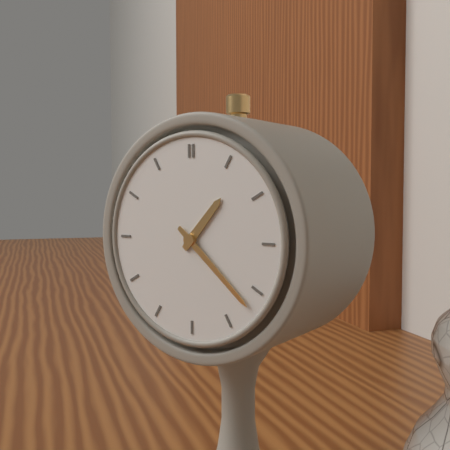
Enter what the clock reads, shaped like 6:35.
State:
1:22
